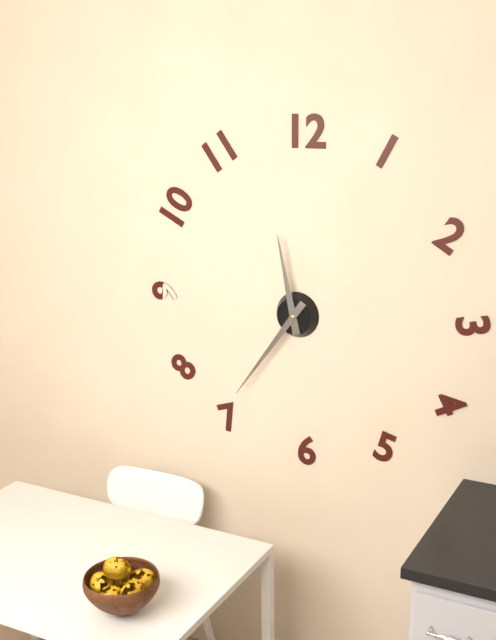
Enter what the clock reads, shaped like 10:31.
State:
11:36
